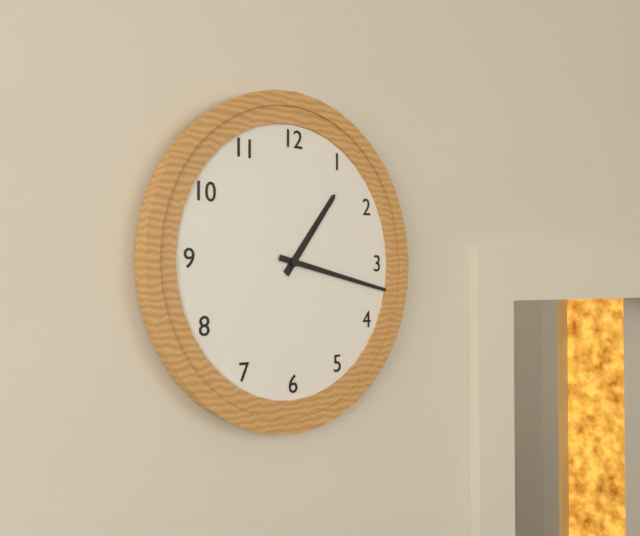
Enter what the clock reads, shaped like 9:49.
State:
1:17
